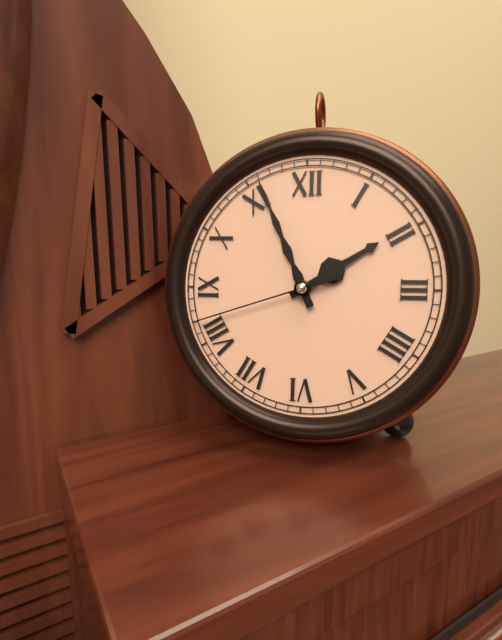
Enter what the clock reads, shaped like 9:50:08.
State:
1:56:42
